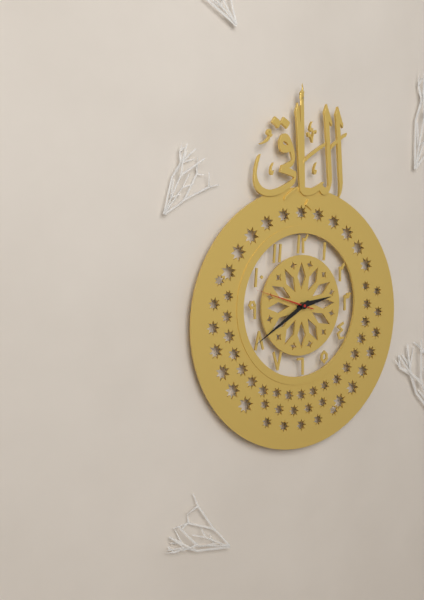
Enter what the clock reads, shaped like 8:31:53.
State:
2:40:48
